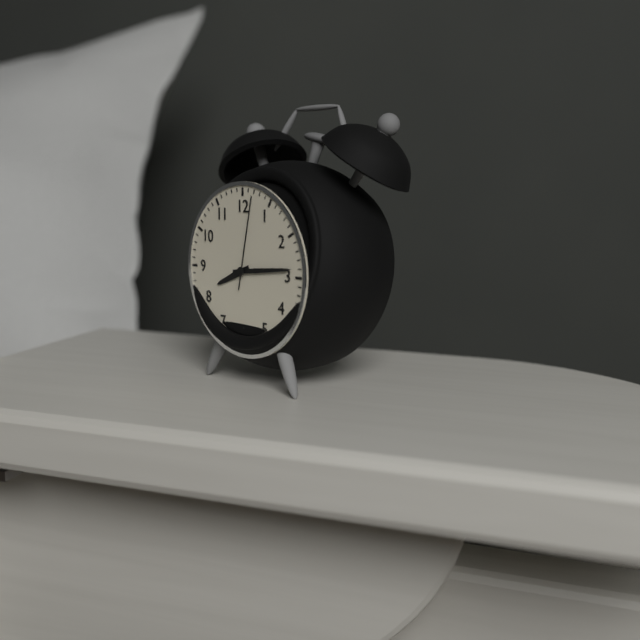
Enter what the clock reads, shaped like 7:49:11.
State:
8:14:02
